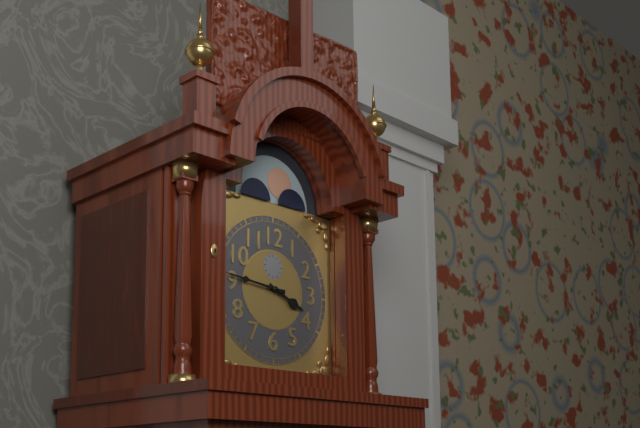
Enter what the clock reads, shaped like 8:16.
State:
3:46
